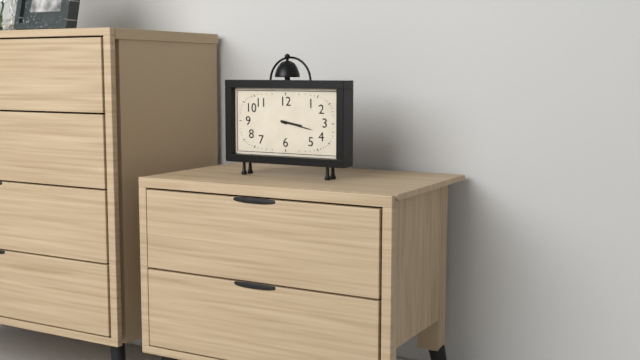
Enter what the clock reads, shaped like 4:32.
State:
3:17
